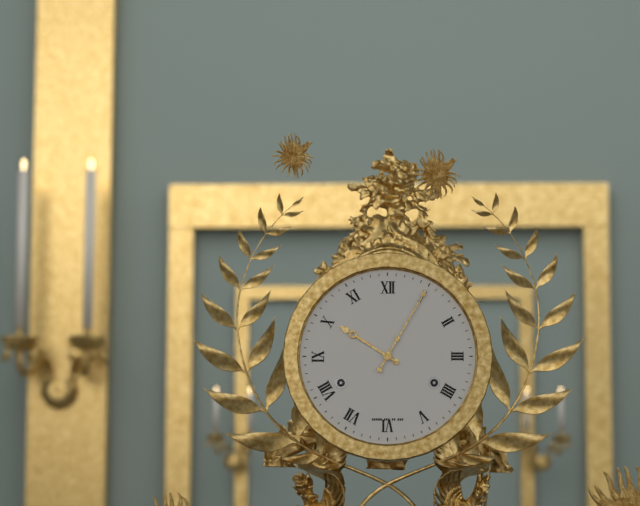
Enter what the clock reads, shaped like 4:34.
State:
10:05
